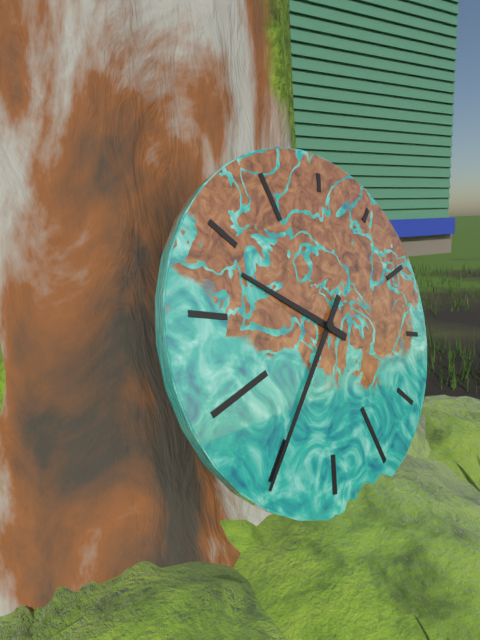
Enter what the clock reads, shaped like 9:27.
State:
10:40
